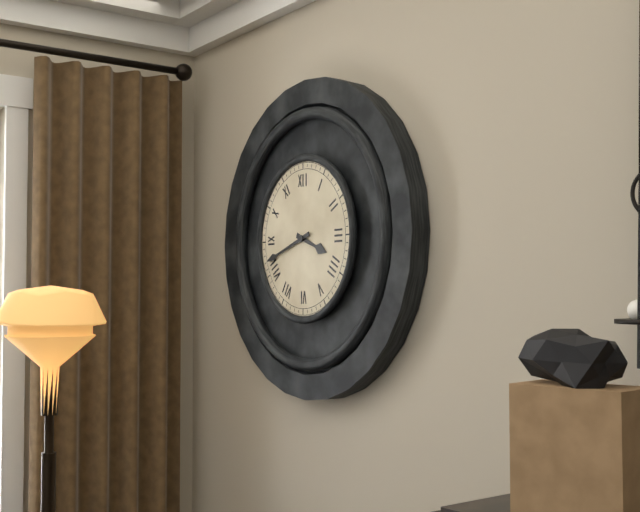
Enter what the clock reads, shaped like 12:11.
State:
3:42
